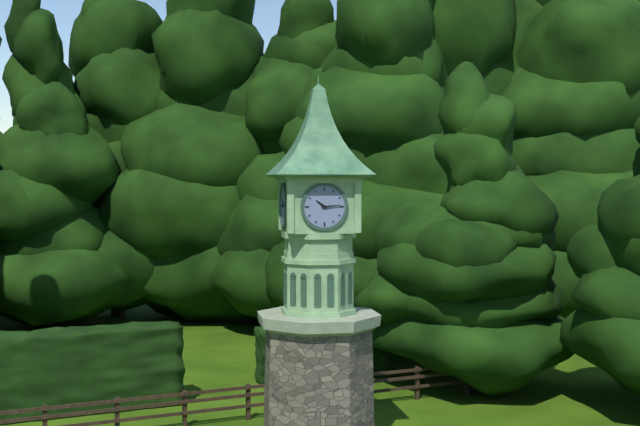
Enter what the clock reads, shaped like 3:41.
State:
10:14
